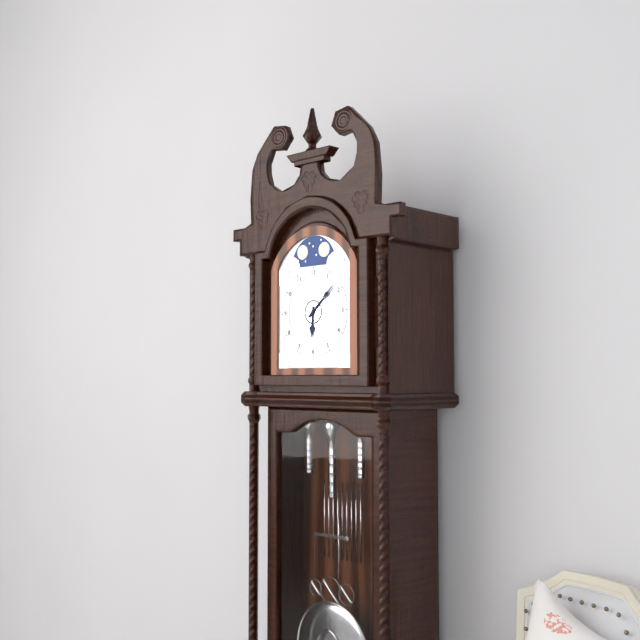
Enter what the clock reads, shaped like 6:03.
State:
6:08
